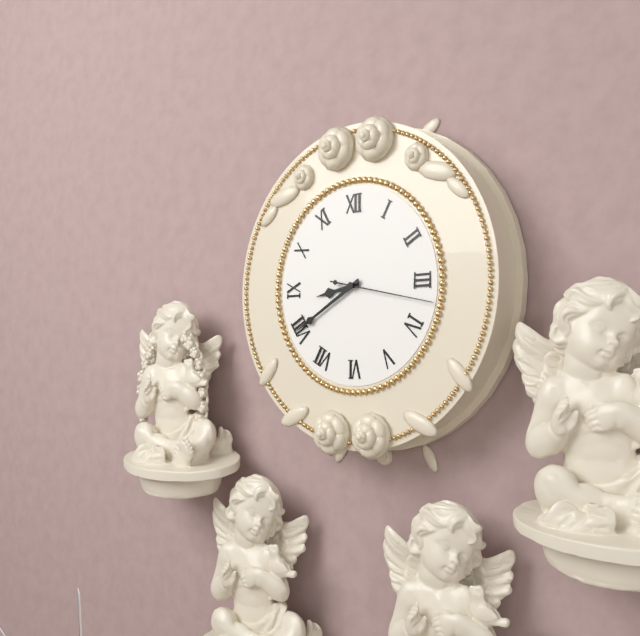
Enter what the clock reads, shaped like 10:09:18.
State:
8:40:17
